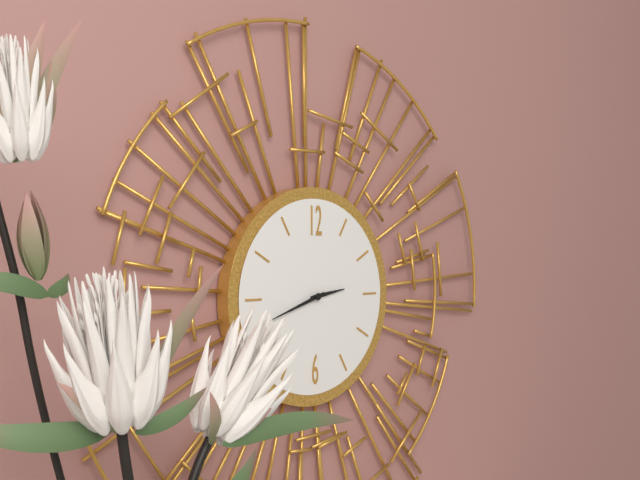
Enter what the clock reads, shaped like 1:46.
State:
2:42
